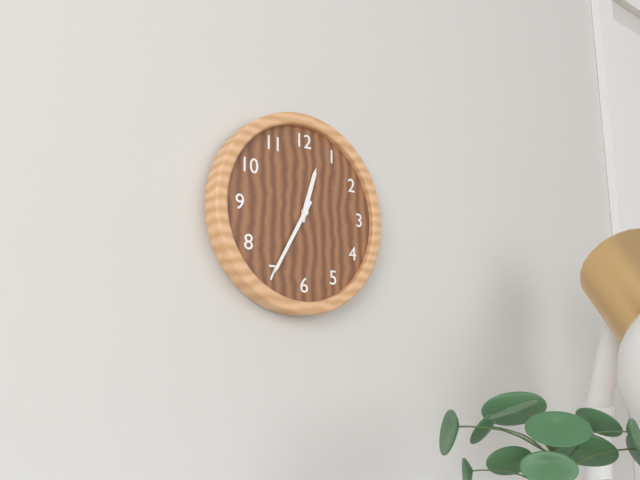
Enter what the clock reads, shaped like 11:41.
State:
12:35
